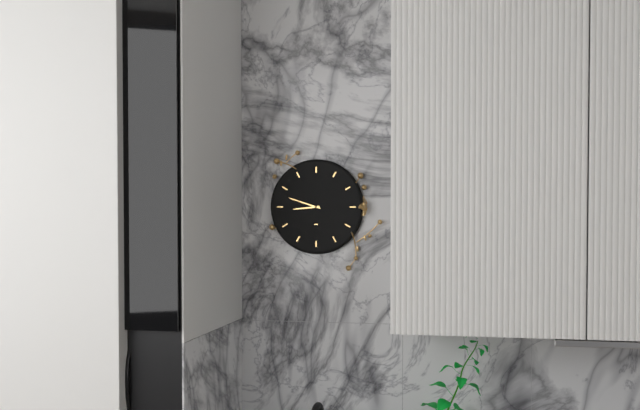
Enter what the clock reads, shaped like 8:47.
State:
8:48
